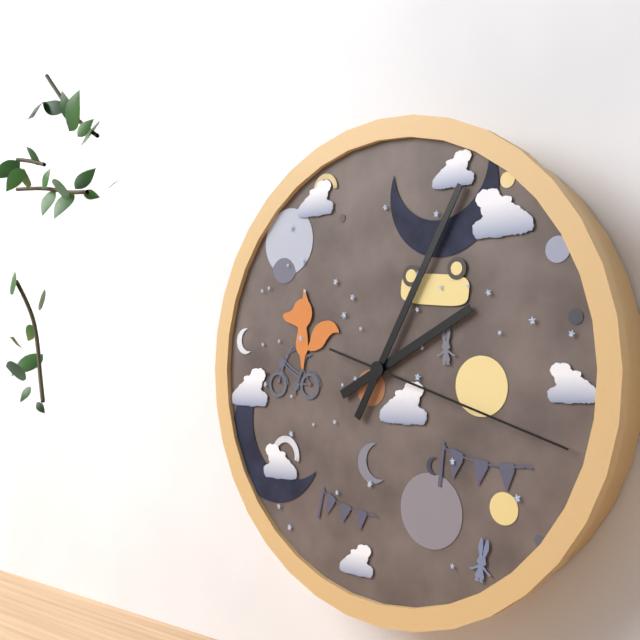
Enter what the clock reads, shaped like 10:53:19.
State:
2:05:18
